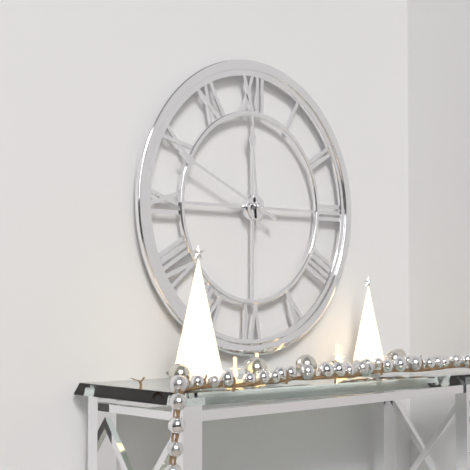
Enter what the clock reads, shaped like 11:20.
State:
11:49
